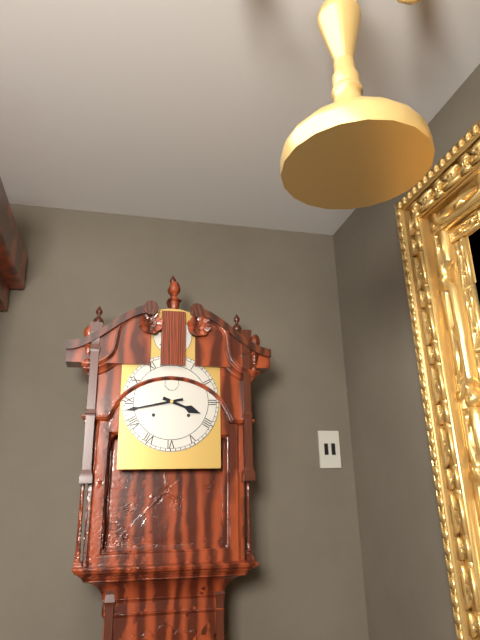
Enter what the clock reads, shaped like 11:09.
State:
3:43
